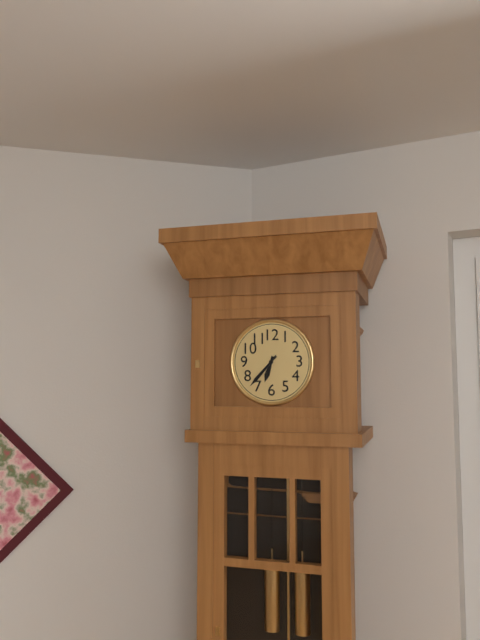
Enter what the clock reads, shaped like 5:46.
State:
6:37
